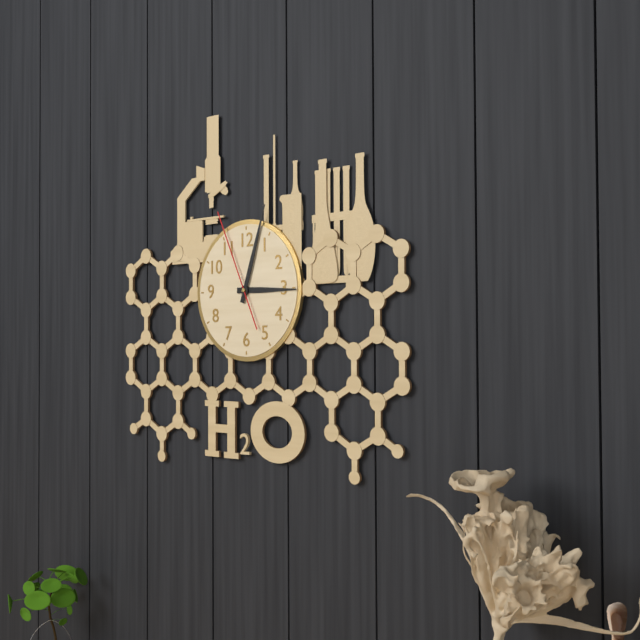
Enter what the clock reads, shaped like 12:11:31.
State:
3:03:56
